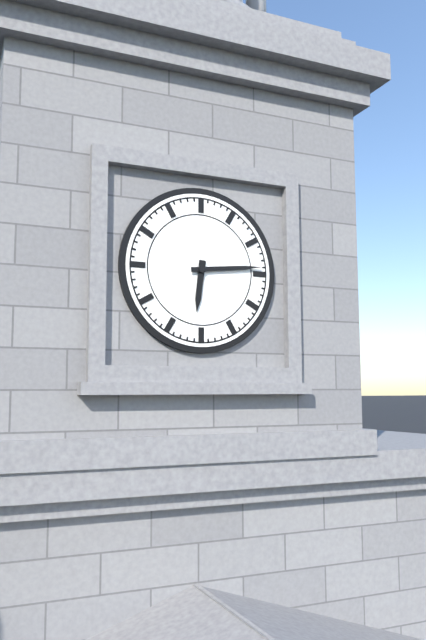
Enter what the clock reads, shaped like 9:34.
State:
6:14
